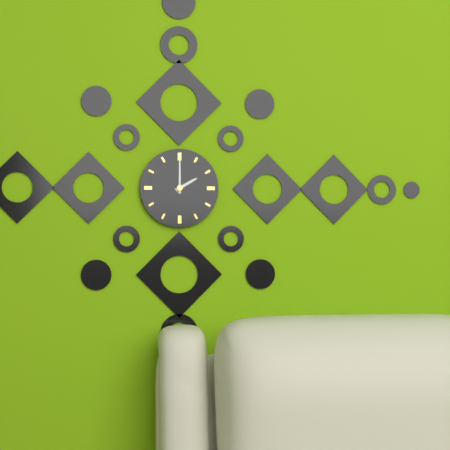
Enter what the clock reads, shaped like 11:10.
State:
2:00
